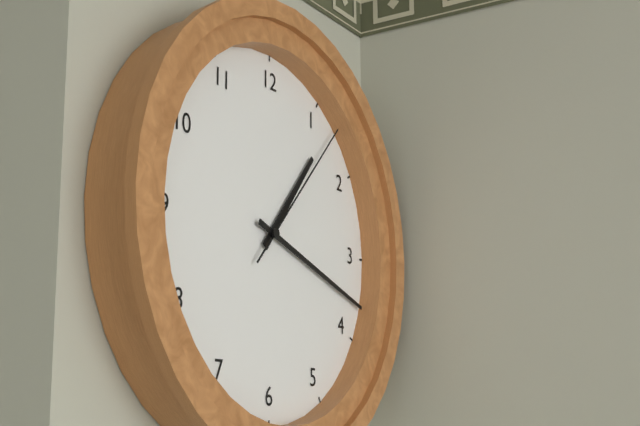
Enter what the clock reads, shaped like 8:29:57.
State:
1:18:07
